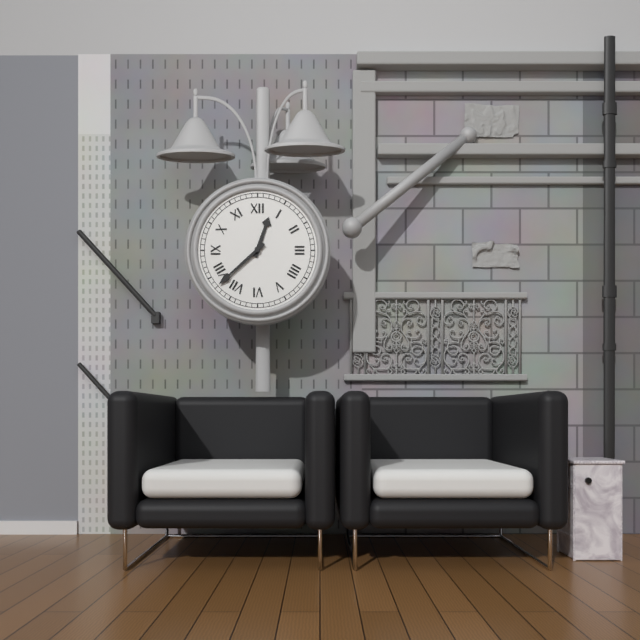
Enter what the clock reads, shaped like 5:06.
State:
12:38
